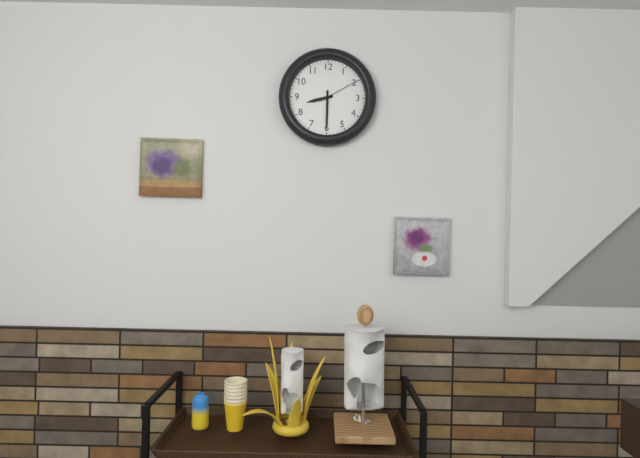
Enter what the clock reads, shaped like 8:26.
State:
8:30
